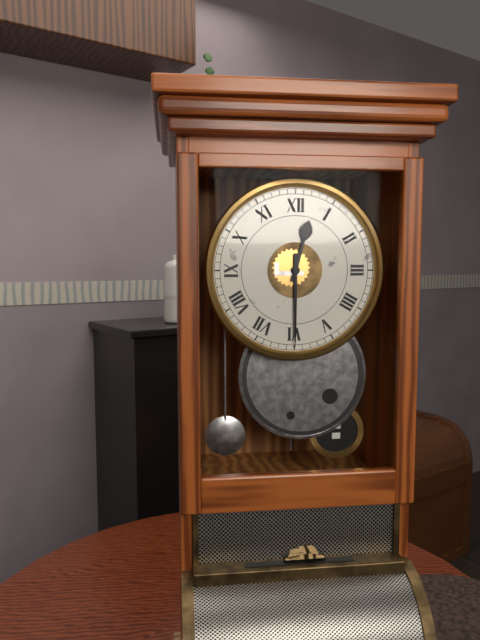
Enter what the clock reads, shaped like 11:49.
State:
12:30
